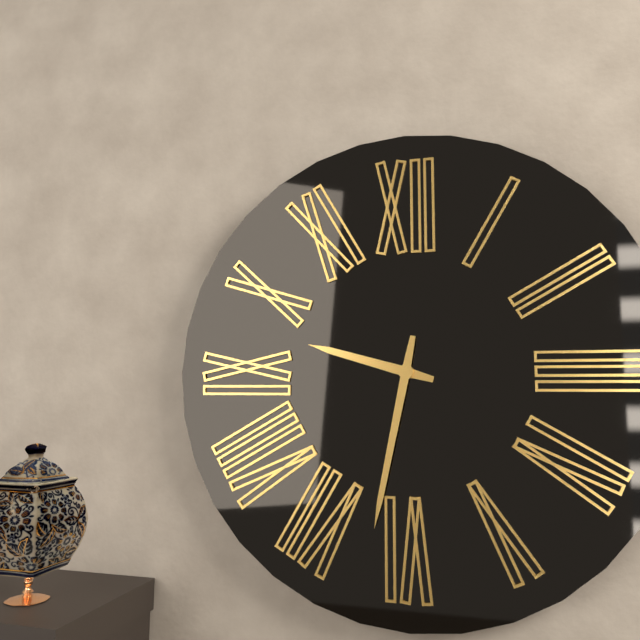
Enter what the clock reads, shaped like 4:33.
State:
9:32
